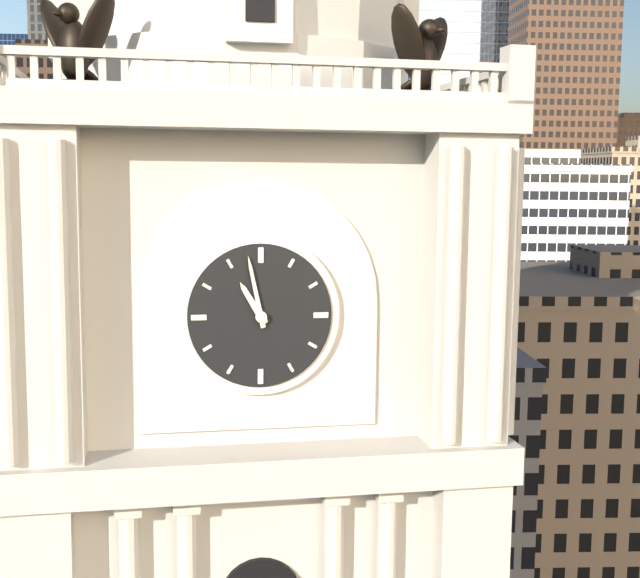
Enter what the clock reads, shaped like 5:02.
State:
10:58
